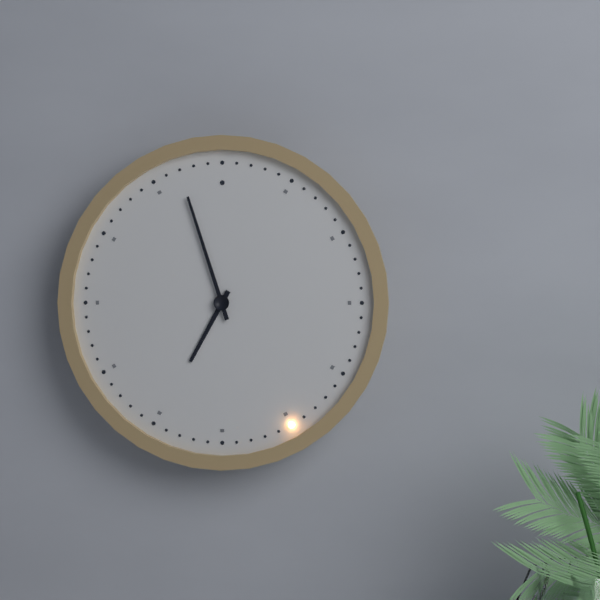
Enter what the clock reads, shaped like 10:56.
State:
6:57
